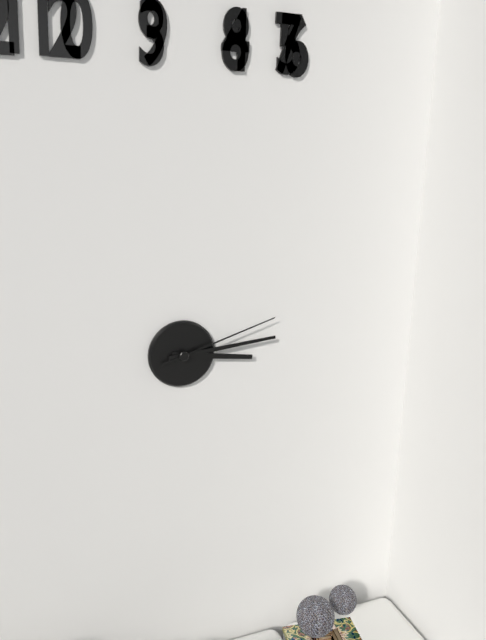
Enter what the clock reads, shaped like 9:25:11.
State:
3:14:12
